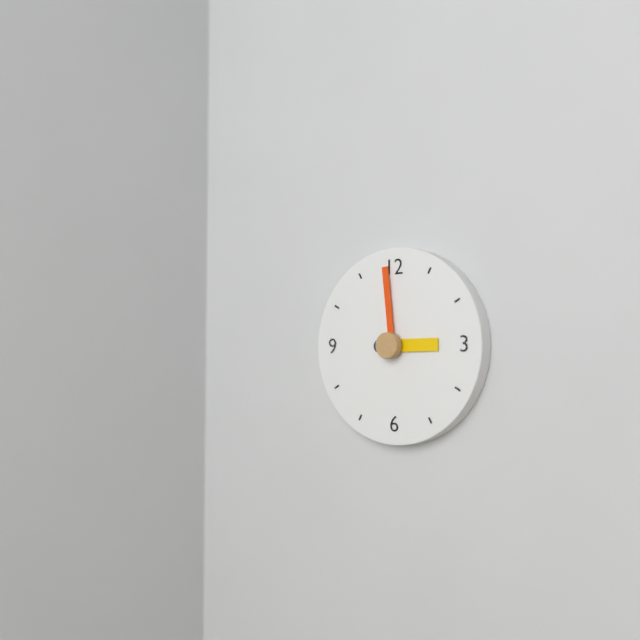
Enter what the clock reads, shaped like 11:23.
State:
2:59
